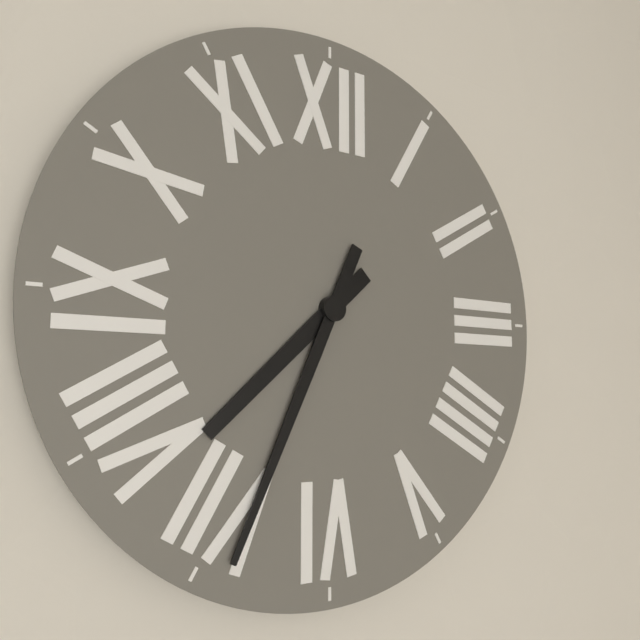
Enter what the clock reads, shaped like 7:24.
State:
7:34
